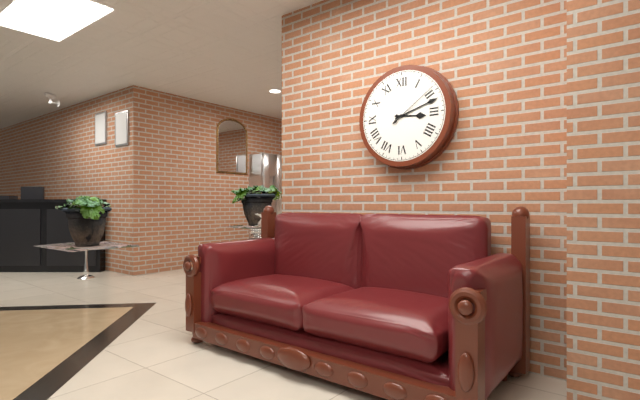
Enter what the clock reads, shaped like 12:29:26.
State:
3:12:09
